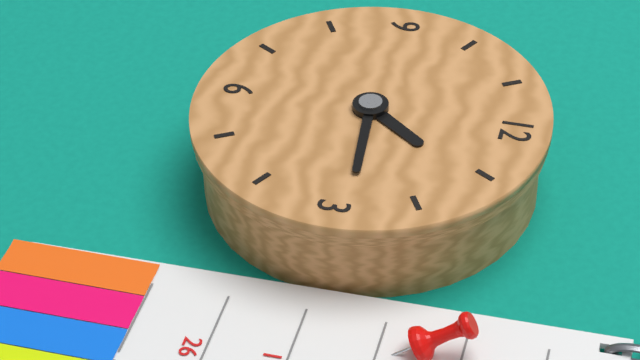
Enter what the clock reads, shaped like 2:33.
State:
1:14
